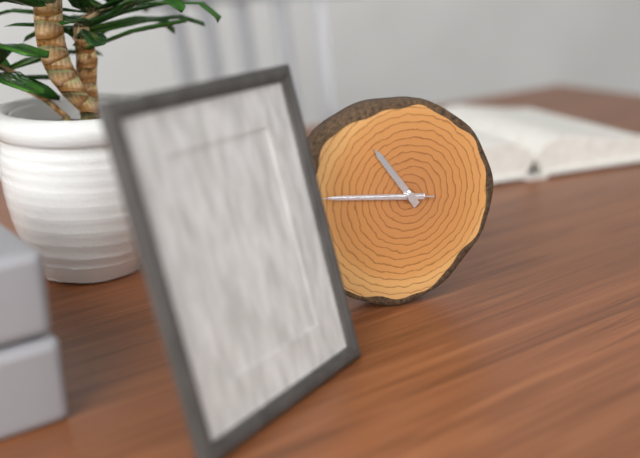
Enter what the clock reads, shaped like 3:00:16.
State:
10:46:46
